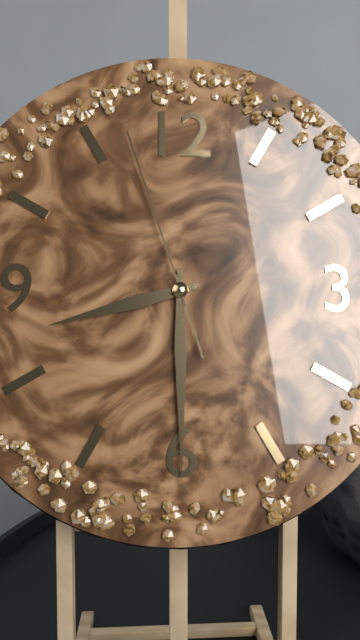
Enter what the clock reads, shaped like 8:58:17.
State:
8:30:57
